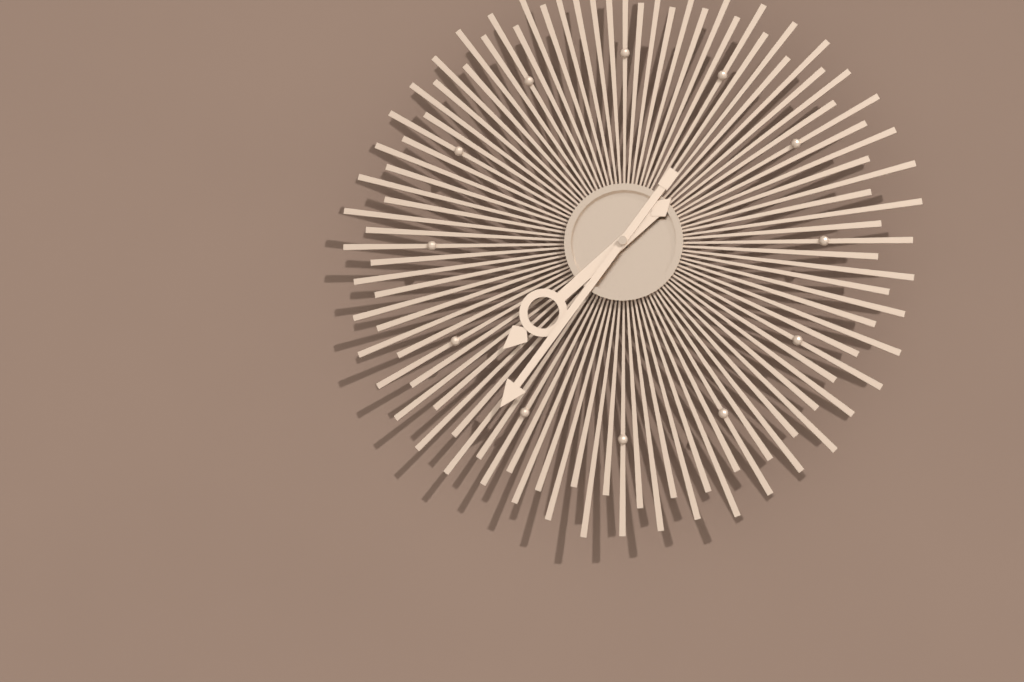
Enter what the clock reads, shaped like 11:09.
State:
7:36
